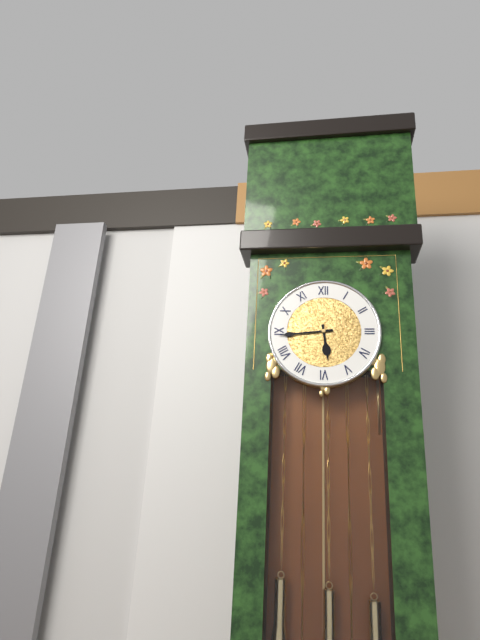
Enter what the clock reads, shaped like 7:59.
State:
5:44
